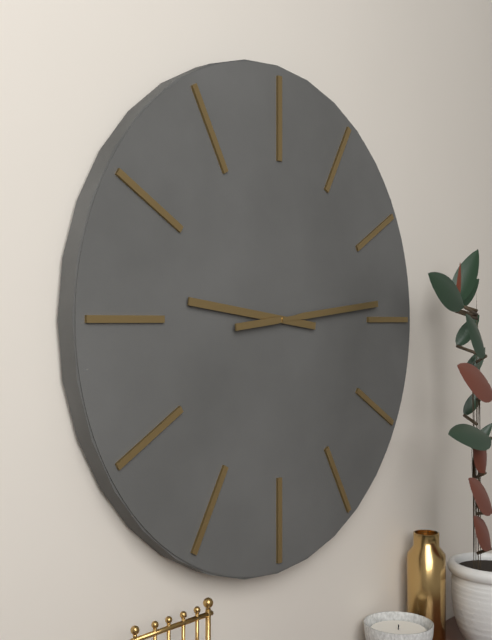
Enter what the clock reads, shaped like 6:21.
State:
9:14
